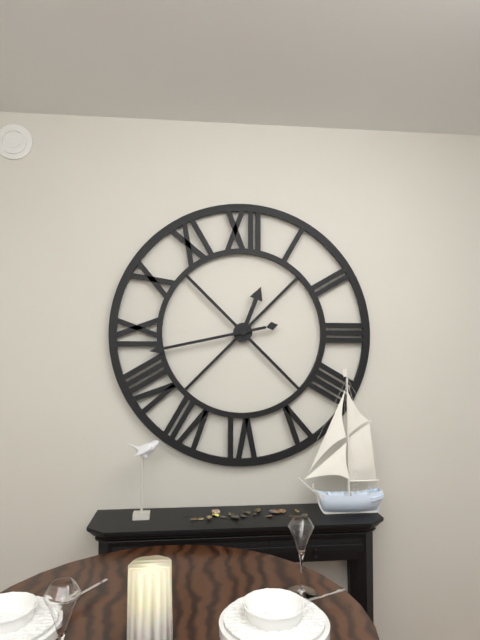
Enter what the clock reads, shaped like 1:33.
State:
12:43
